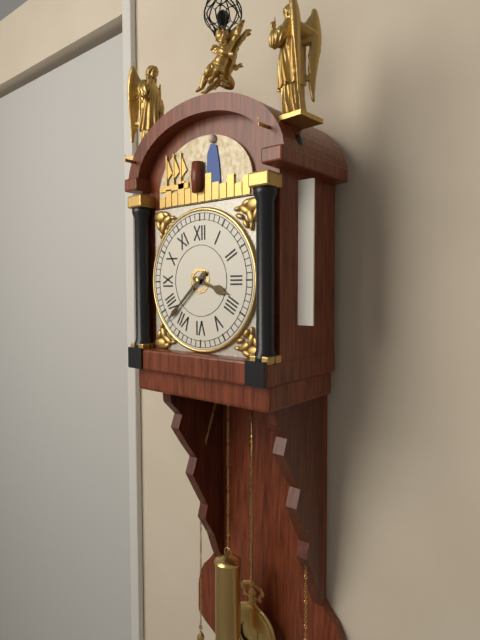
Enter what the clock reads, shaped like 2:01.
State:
3:38
